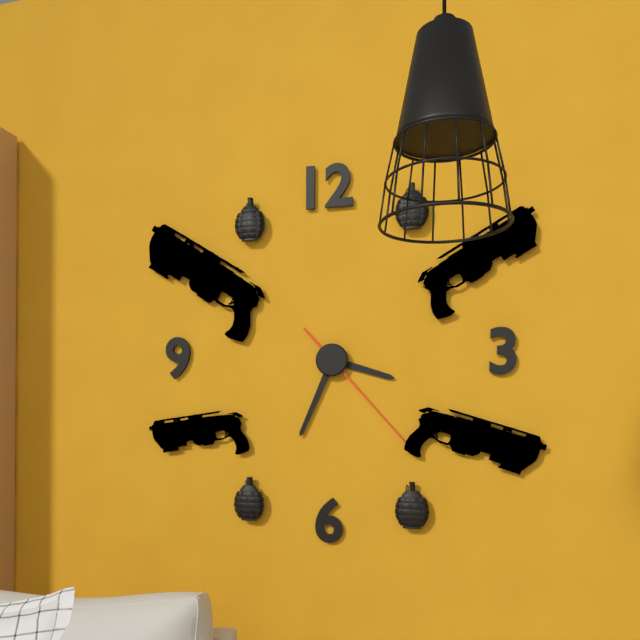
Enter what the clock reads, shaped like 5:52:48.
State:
3:34:23
